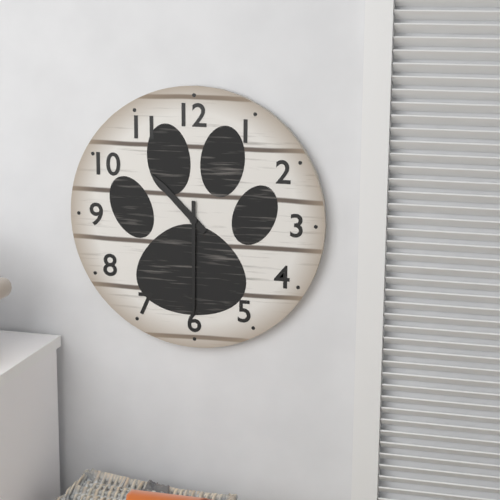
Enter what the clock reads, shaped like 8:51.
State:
10:30
